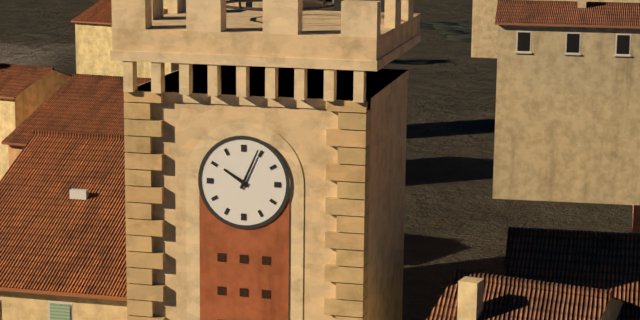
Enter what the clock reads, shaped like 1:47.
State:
10:04
